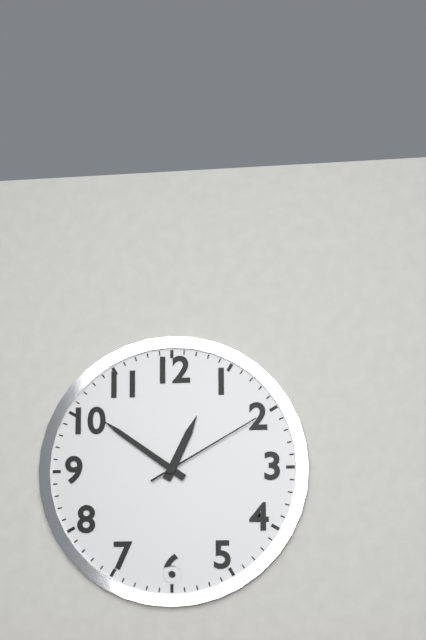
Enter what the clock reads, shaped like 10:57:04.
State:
12:51:10
